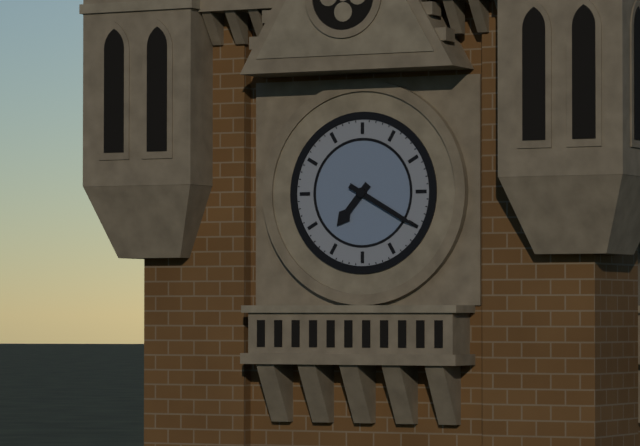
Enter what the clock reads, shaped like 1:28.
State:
7:20
